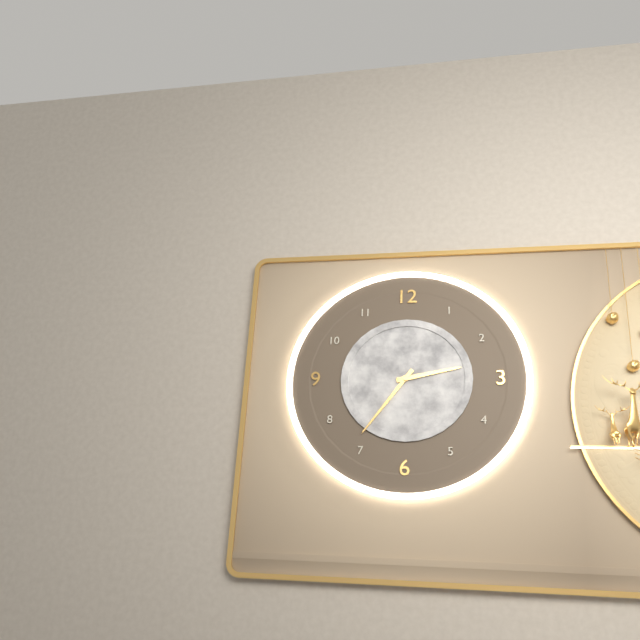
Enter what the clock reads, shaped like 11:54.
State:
2:36
